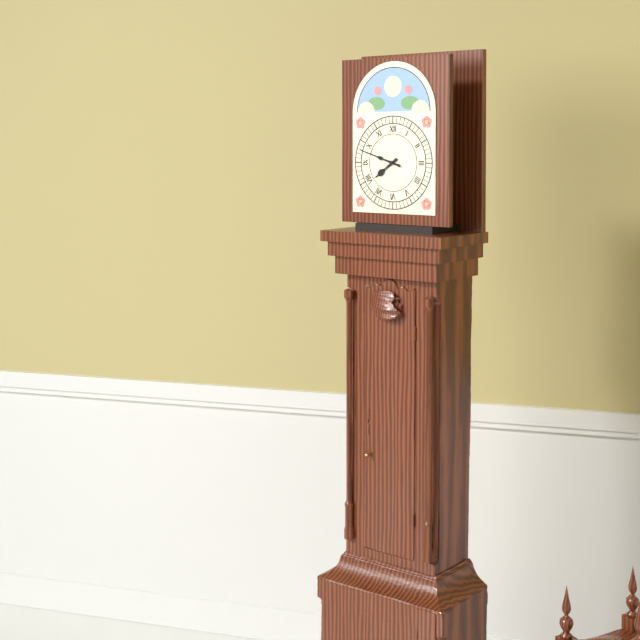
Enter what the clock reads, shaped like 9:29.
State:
7:48
